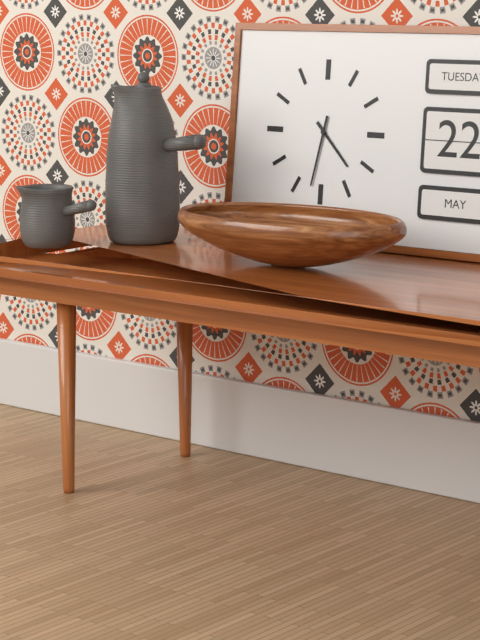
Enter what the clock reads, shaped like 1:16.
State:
4:32
